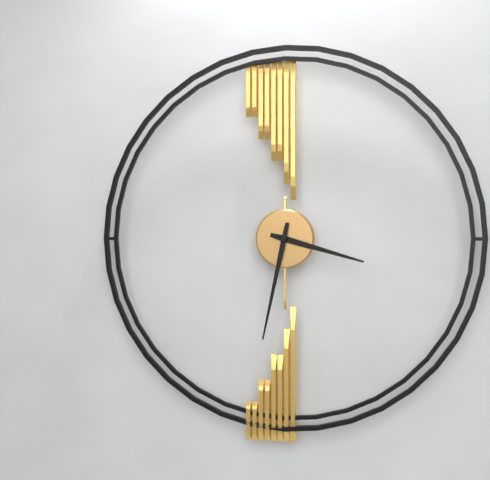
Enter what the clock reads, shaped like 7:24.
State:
3:32
